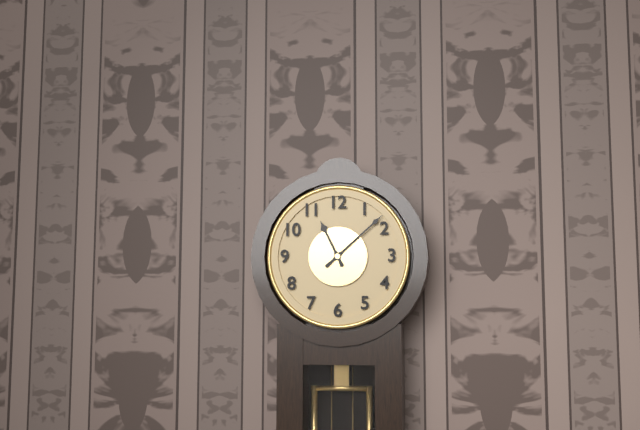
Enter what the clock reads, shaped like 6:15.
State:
11:08
